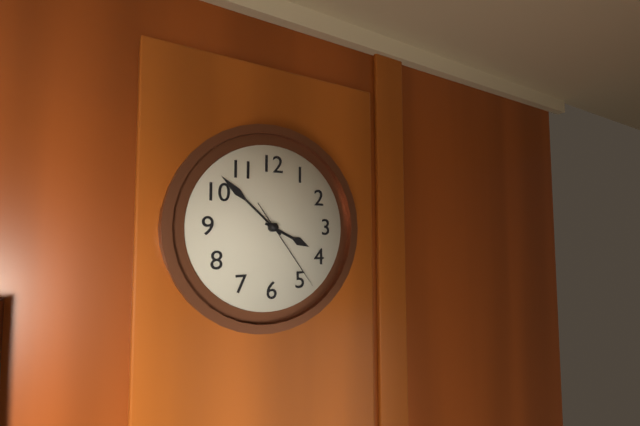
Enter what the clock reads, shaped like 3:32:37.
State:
3:52:24
